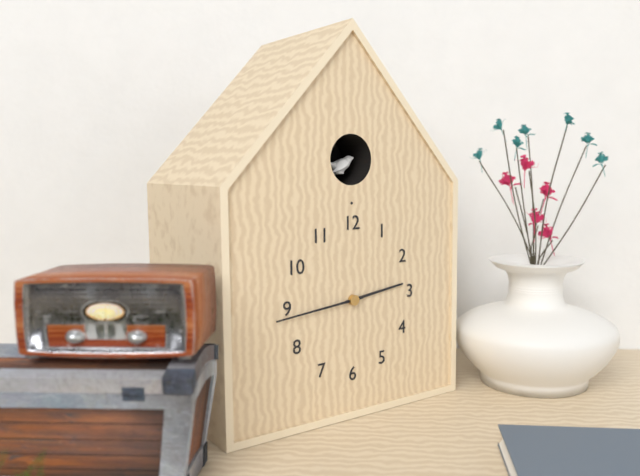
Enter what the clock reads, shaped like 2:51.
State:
2:44
